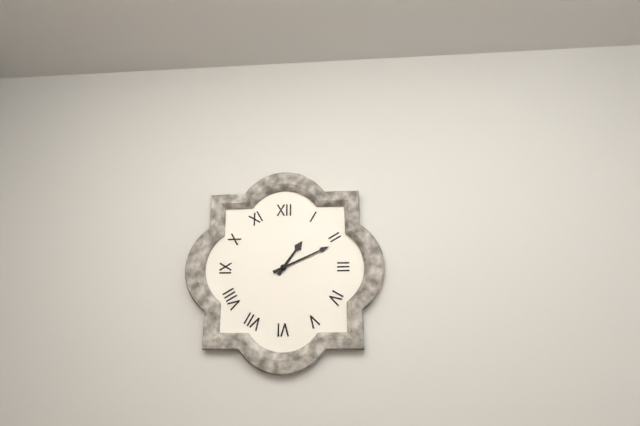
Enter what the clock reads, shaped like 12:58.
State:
1:11
